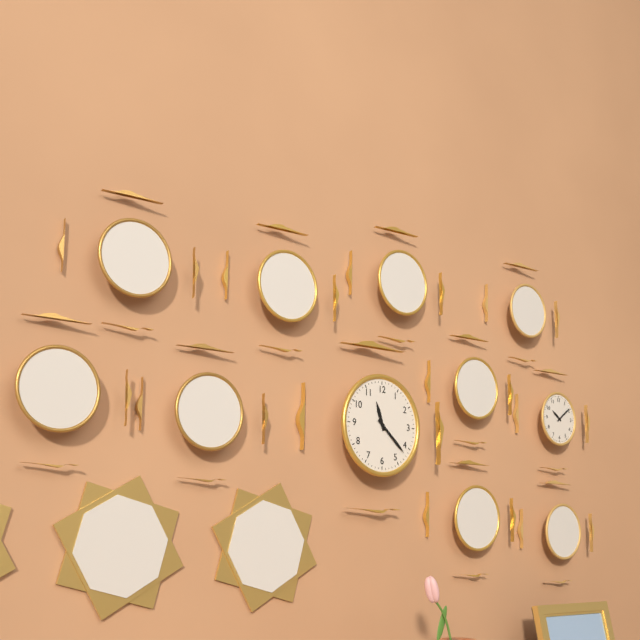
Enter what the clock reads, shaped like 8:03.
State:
11:22
